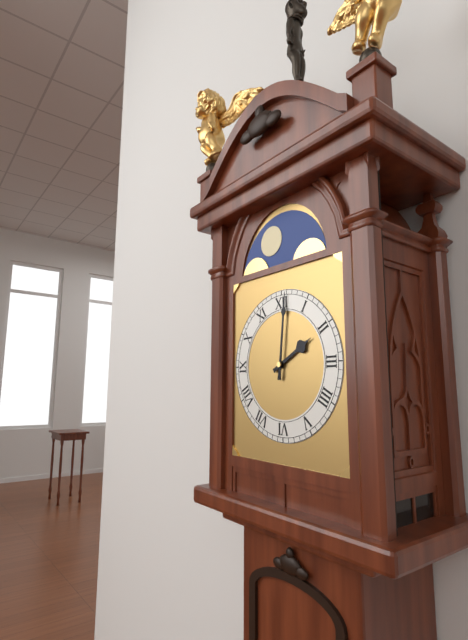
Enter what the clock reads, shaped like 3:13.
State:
2:01
